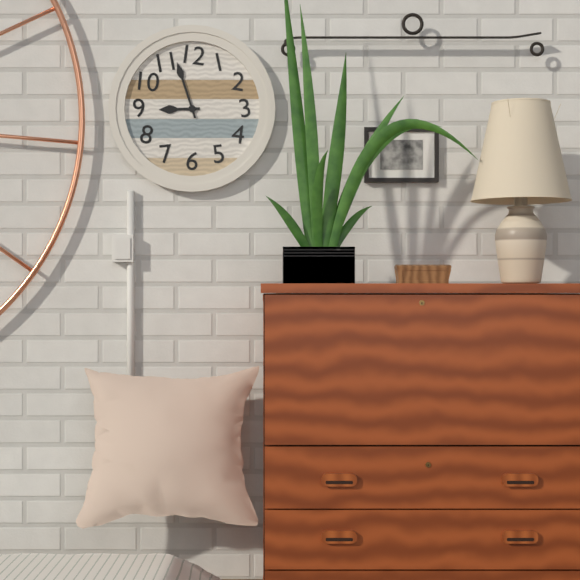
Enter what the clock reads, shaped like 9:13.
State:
8:57
